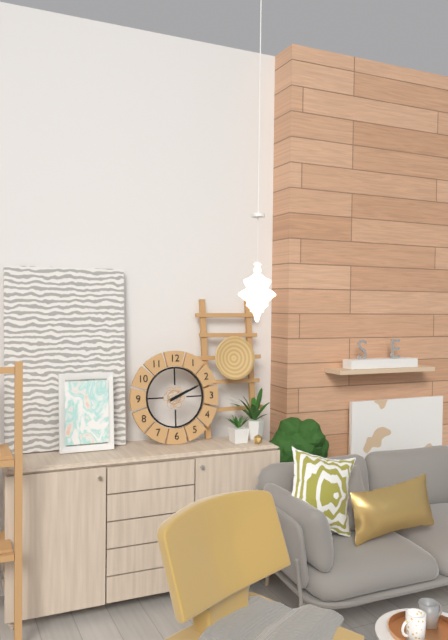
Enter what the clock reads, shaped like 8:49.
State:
2:11
